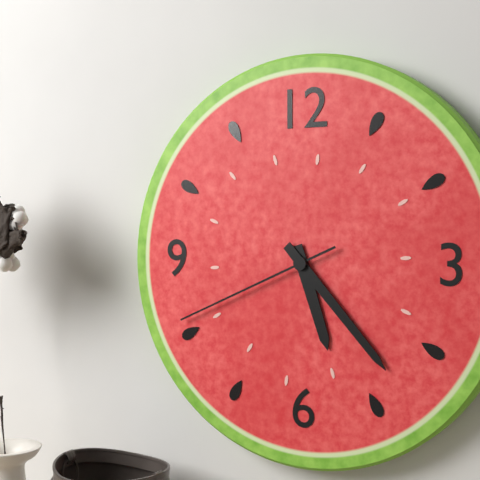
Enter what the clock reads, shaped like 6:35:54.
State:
5:23:41
